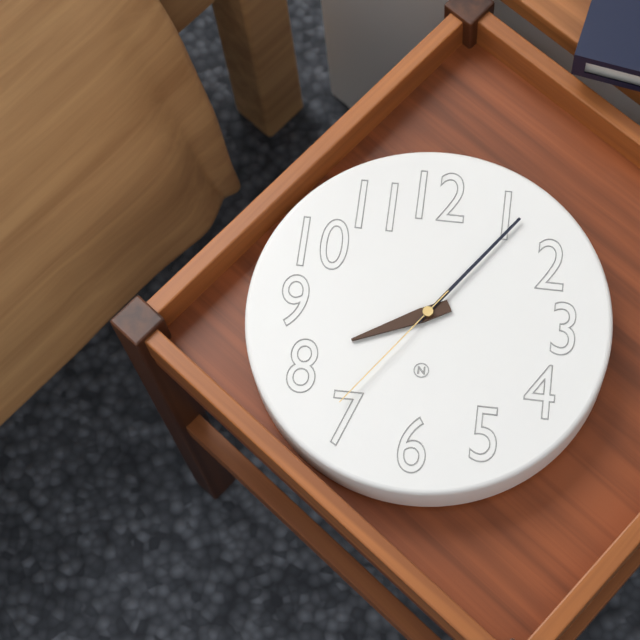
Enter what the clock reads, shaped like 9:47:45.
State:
8:06:36
